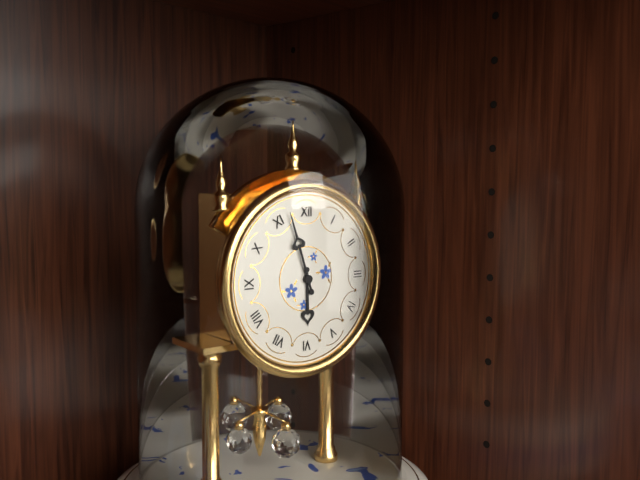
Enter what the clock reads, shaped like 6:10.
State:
5:57
